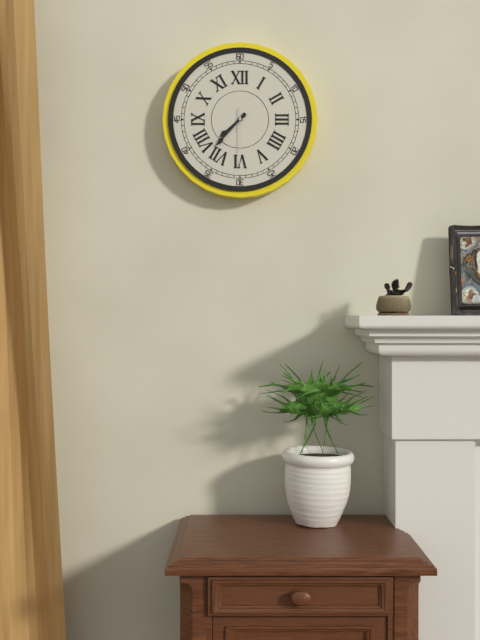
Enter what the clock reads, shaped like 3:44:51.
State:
7:37:30
